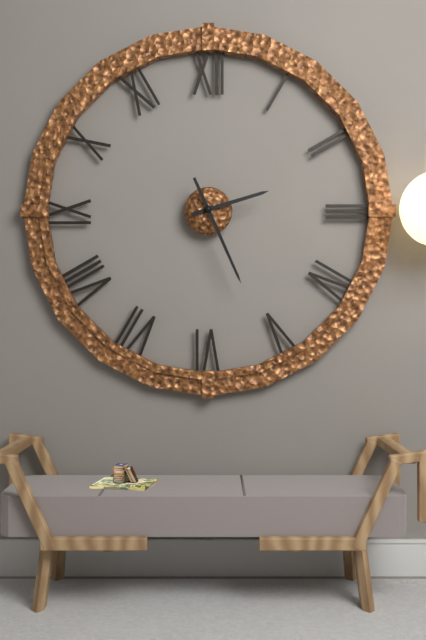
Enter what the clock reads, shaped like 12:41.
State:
2:26
